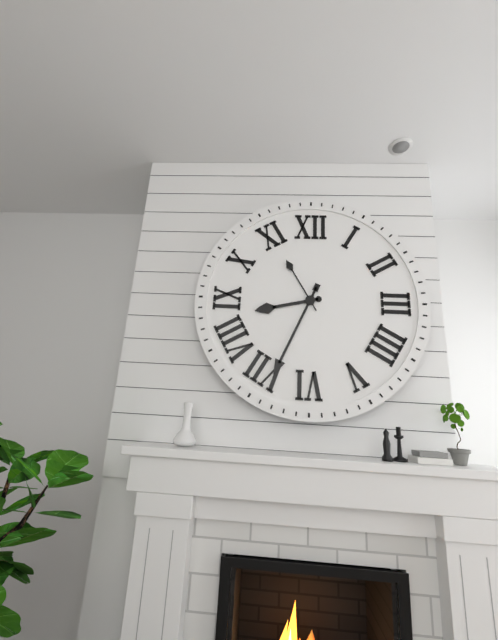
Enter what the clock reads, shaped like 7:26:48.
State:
8:34:55
